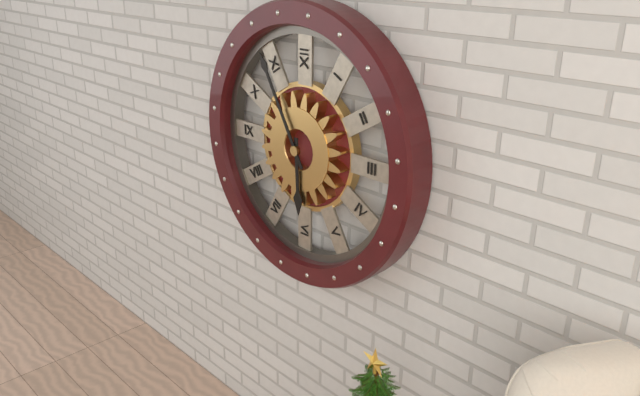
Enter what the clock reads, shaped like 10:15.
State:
5:55
